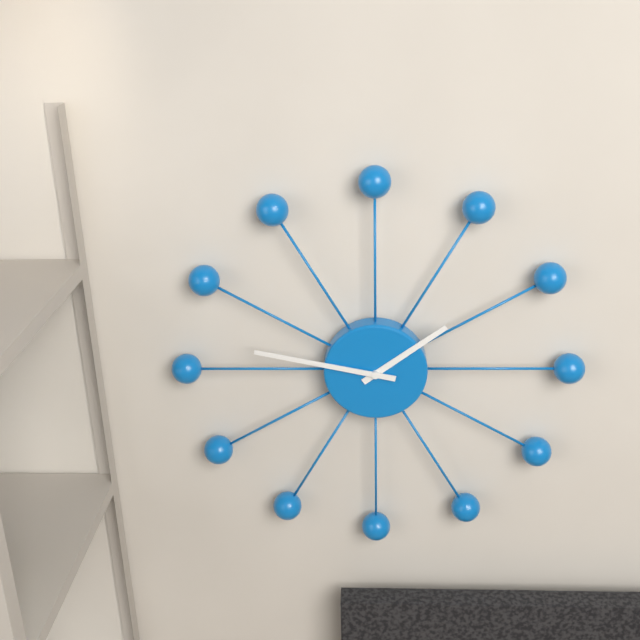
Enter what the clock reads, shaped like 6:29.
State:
1:47
